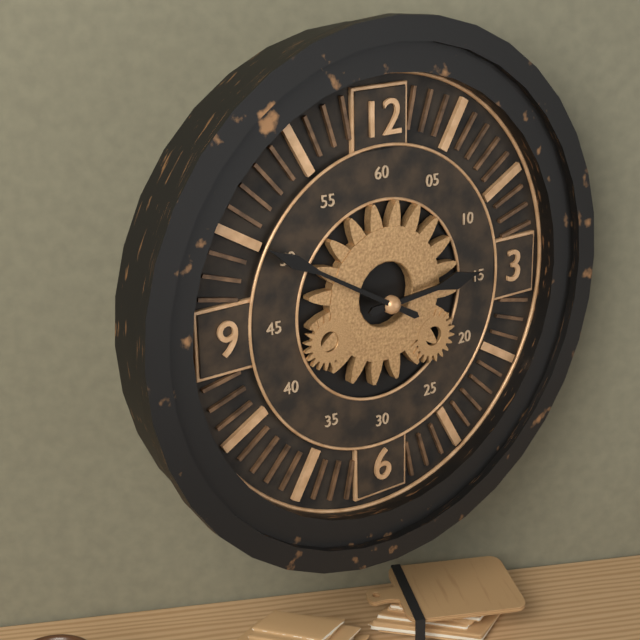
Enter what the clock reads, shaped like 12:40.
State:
2:50
